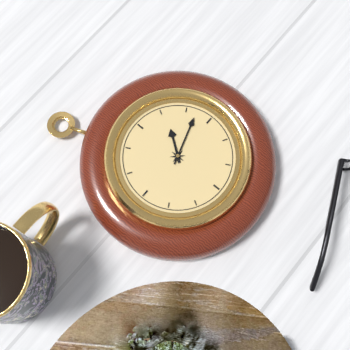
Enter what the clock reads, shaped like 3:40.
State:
1:12
